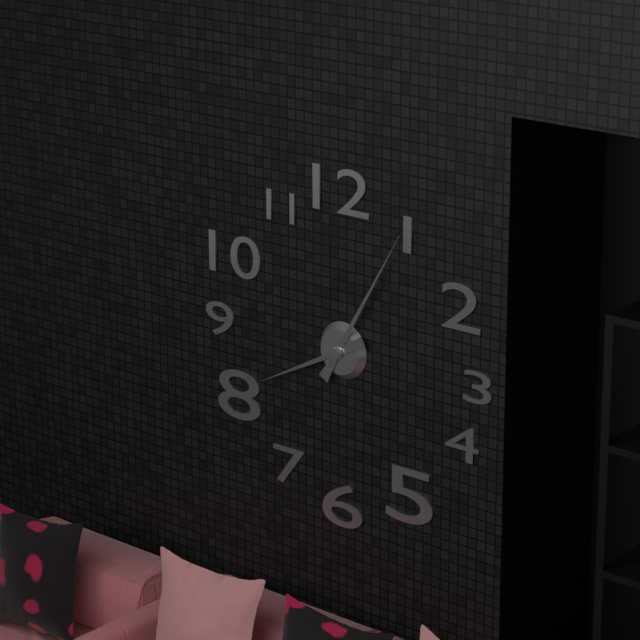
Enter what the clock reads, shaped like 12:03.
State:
8:05
